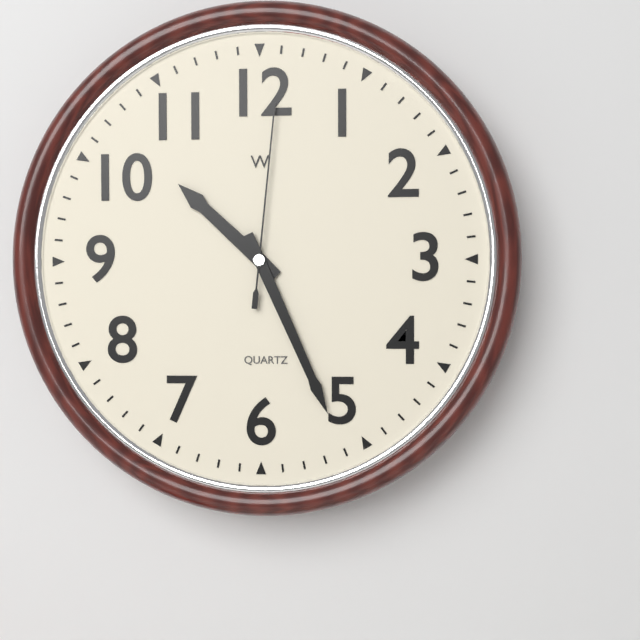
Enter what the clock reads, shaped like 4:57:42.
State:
10:26:01
